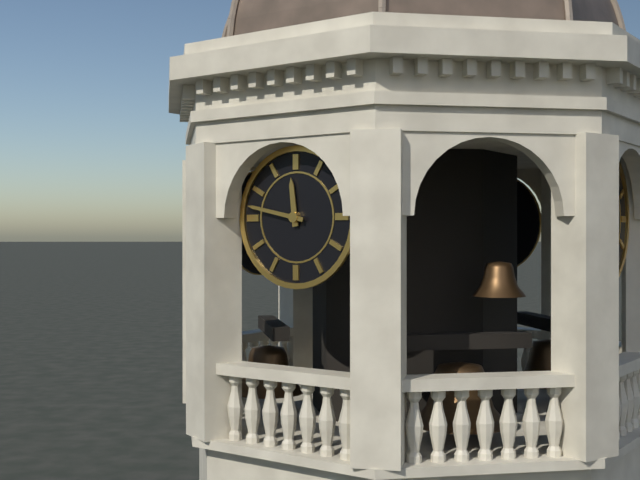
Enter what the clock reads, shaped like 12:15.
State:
11:47
